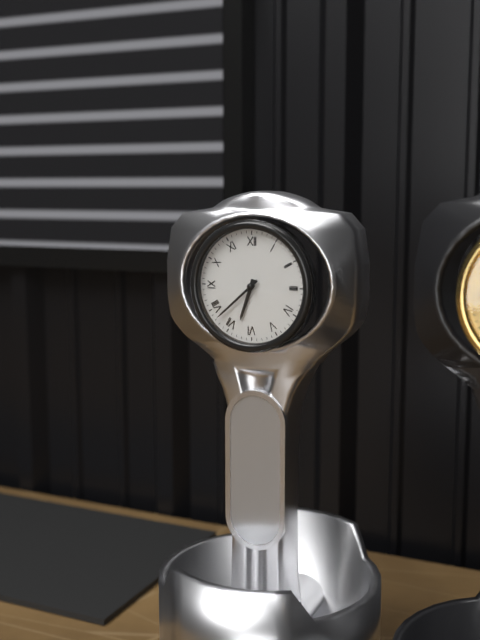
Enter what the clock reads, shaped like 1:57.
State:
6:38
